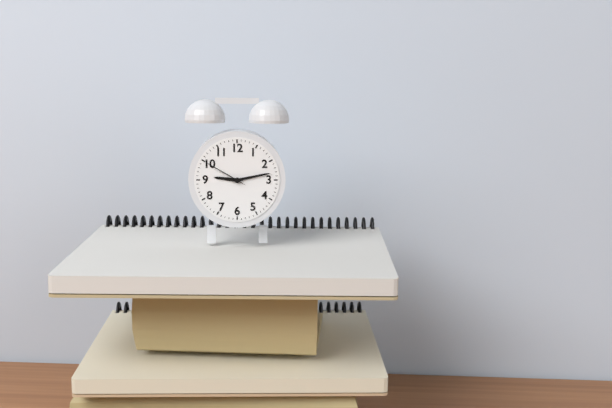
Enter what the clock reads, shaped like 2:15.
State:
9:13
